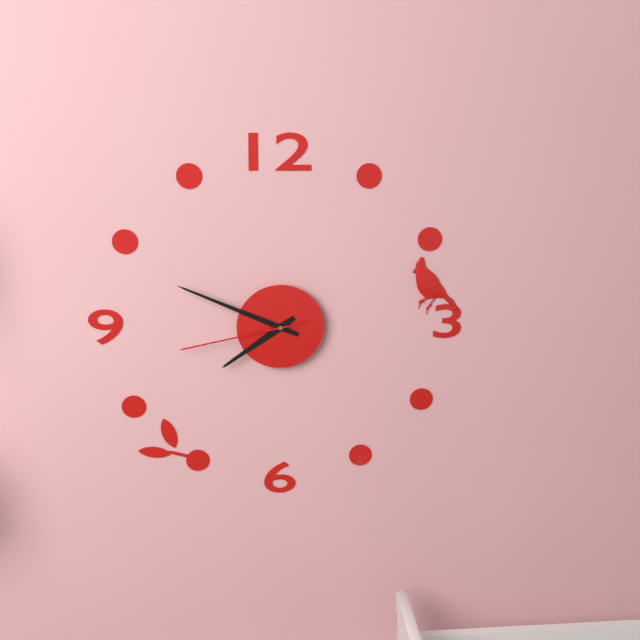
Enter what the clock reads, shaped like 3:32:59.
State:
7:49:43
